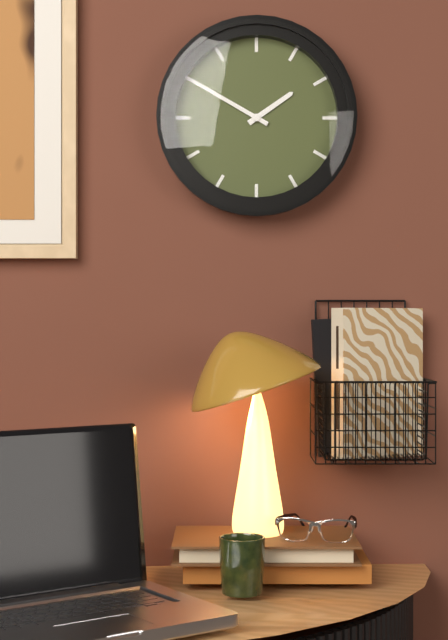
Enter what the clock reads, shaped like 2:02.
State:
1:50
